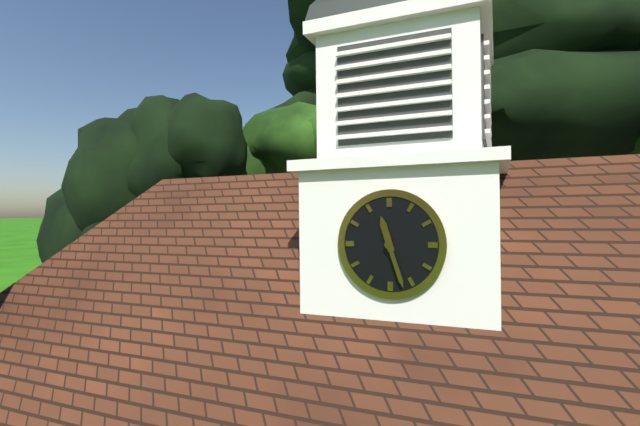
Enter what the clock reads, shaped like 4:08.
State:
11:27
